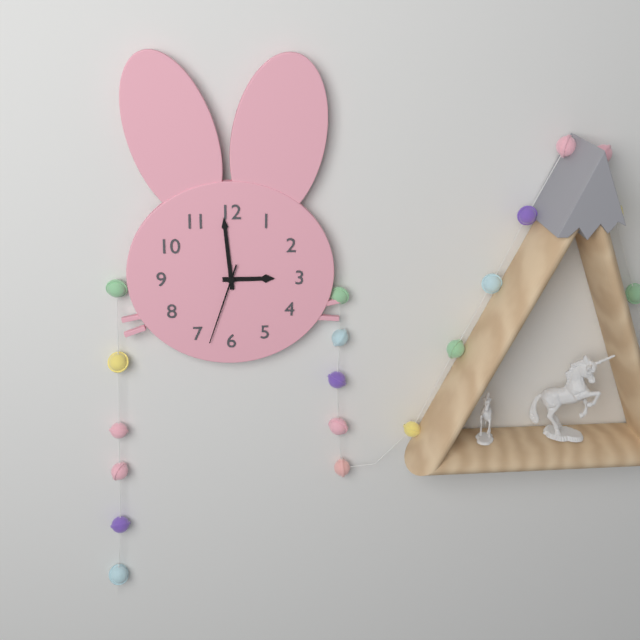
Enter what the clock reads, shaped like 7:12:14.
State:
2:59:33
